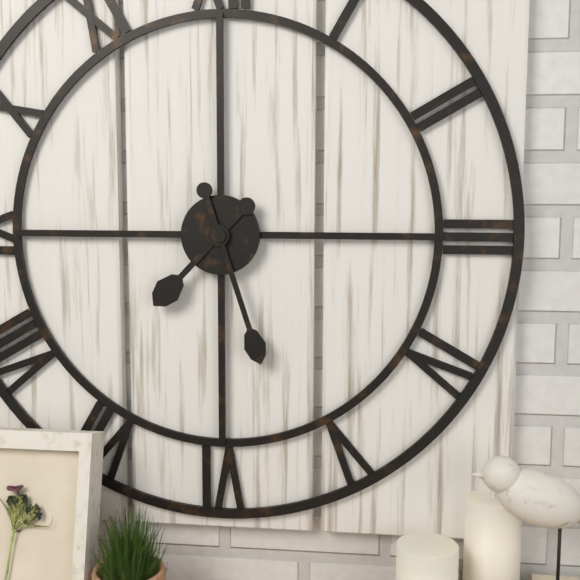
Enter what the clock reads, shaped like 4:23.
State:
7:27
